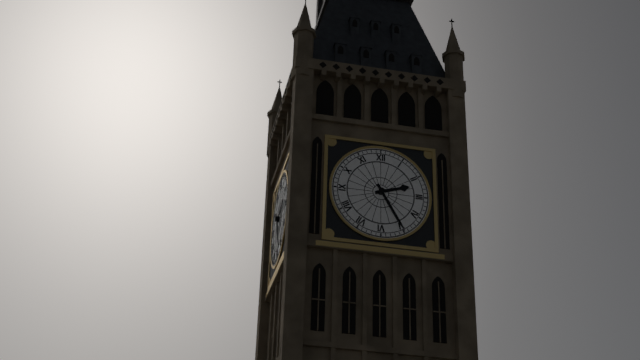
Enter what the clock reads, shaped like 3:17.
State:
2:25
